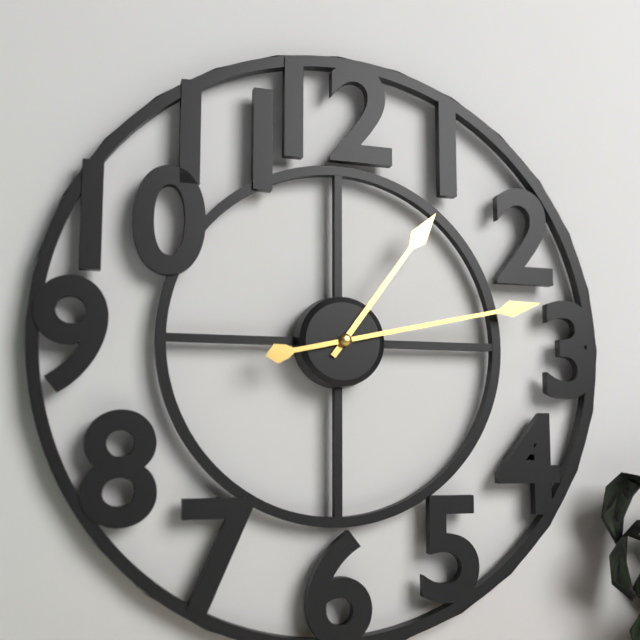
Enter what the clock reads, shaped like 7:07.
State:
1:13
